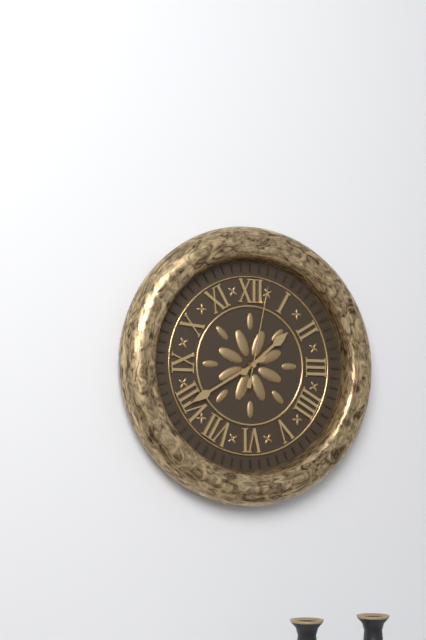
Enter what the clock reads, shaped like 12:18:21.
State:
1:40:02
